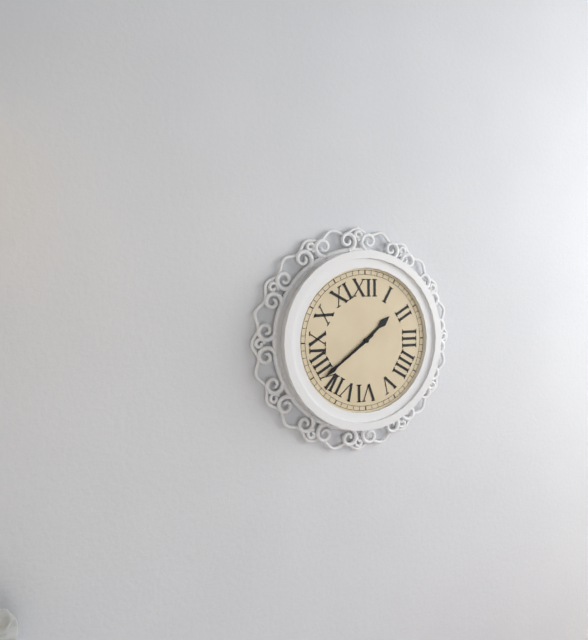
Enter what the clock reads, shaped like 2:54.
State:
1:39
